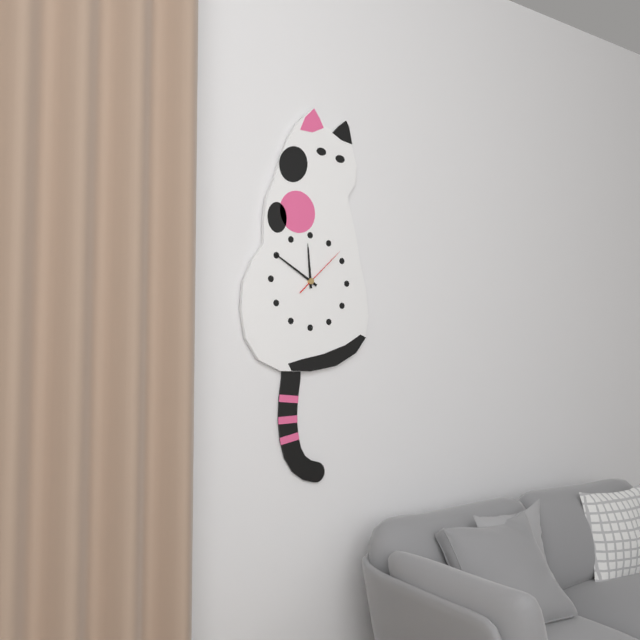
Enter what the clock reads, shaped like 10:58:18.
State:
11:50:08
